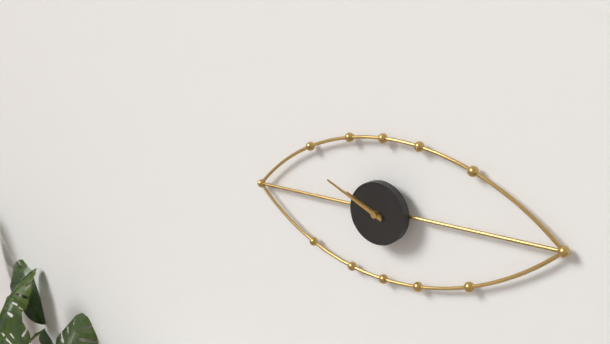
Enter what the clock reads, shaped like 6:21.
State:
9:49
